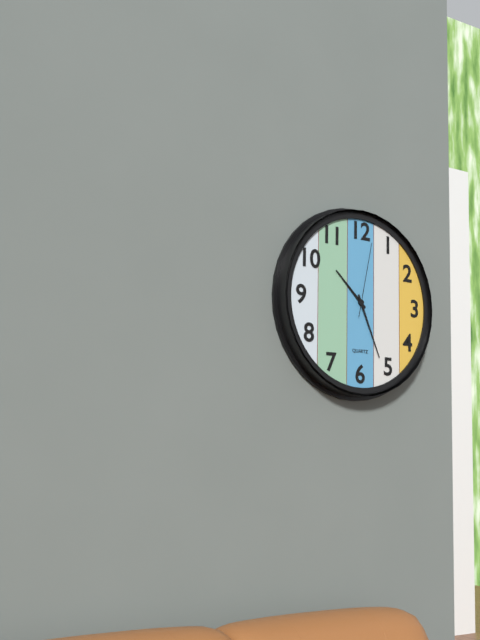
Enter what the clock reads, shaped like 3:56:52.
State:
10:26:02
